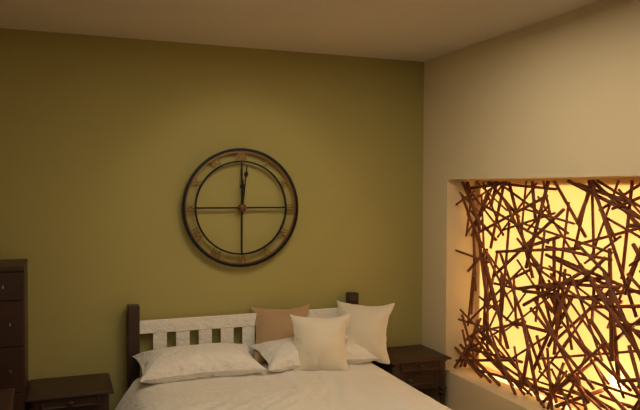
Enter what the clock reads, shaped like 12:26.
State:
12:01
